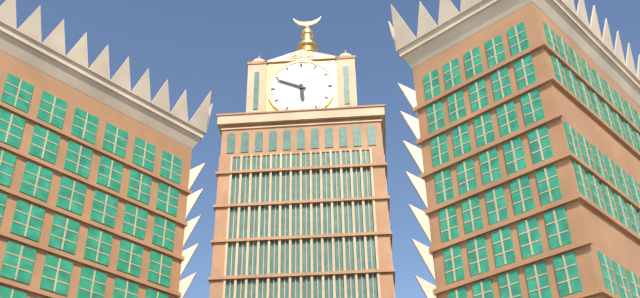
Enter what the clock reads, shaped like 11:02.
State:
5:49
